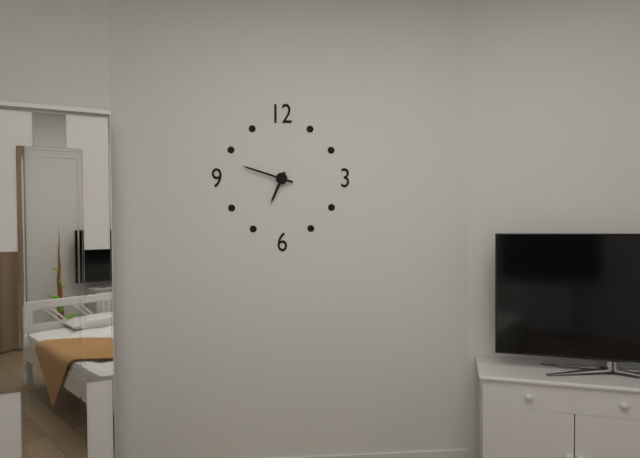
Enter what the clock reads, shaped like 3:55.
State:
6:48
